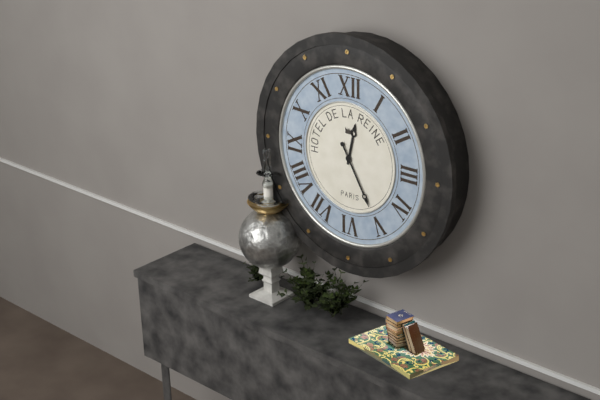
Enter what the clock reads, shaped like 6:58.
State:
12:25
